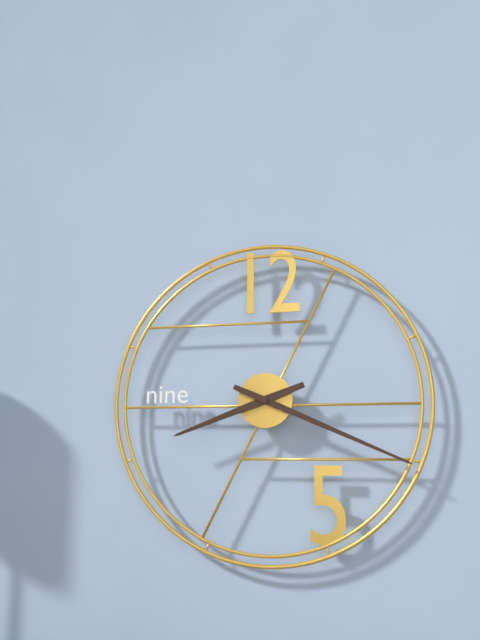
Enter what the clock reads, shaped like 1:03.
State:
8:19
